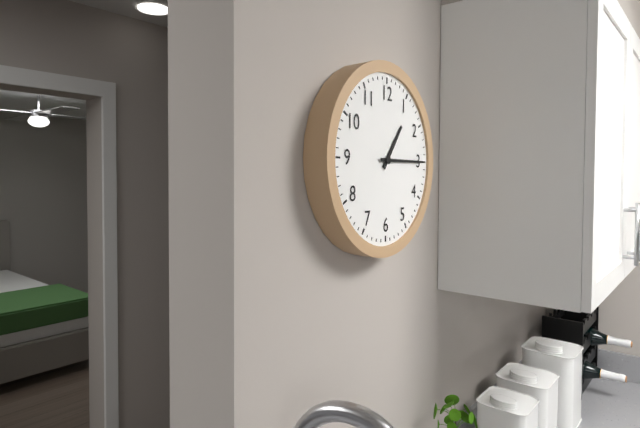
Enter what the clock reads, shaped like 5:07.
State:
1:15
